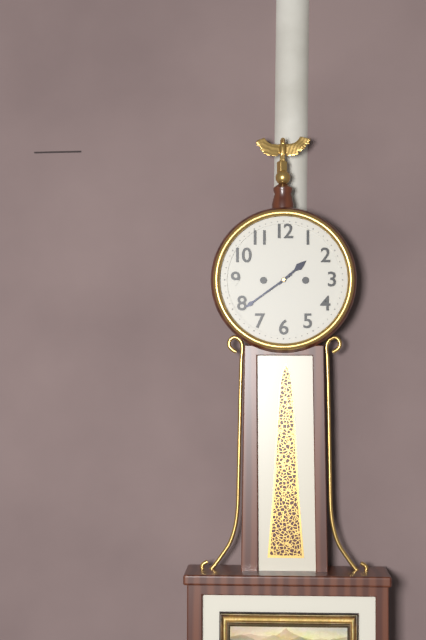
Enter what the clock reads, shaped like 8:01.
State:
1:39
